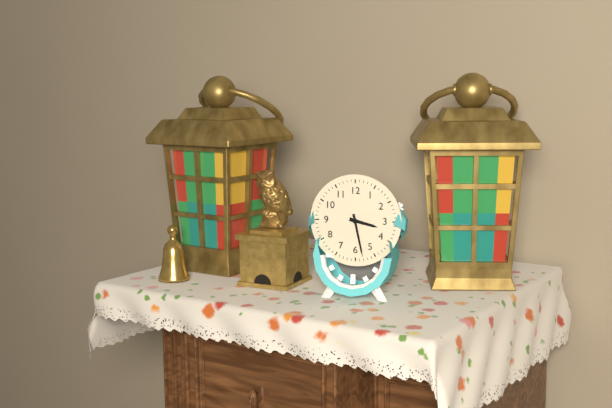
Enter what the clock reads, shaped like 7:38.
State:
3:28
